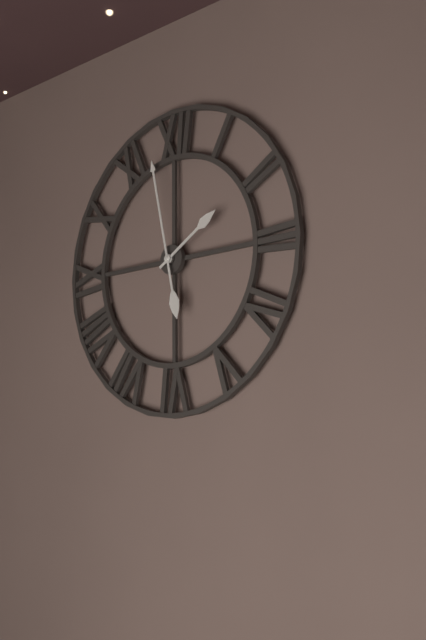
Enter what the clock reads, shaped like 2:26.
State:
1:58
